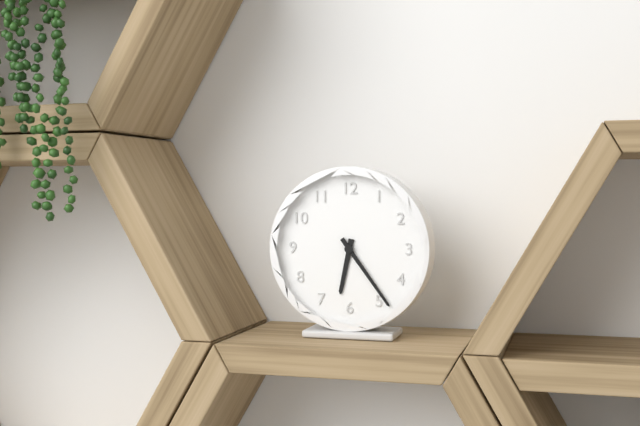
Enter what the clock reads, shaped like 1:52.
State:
6:24
